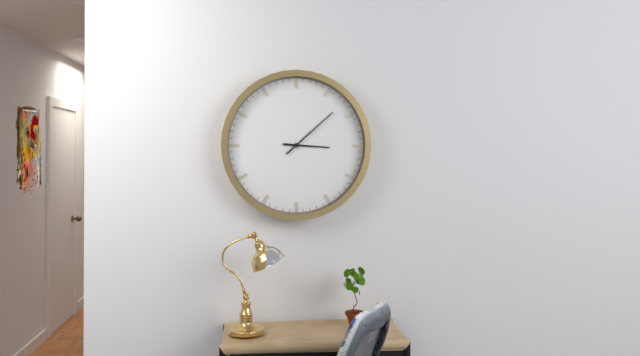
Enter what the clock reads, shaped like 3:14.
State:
3:08
